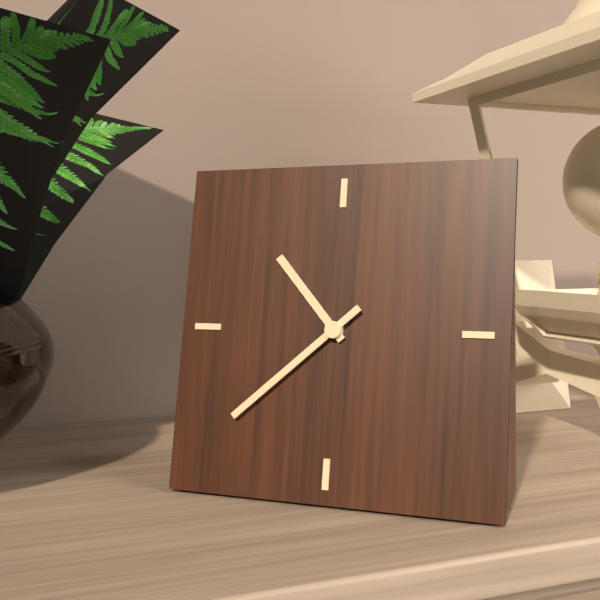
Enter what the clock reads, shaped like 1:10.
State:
10:38
